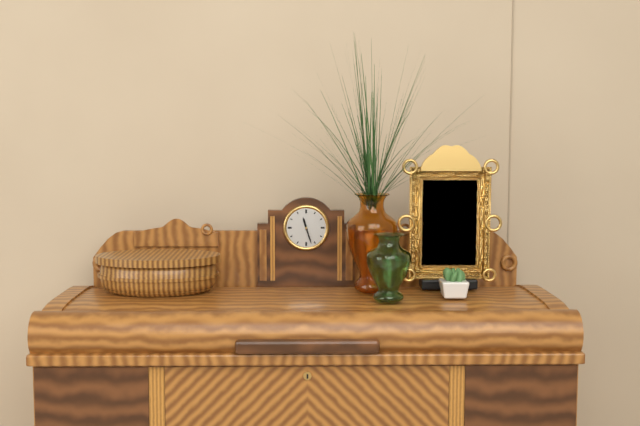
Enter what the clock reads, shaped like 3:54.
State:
11:27
